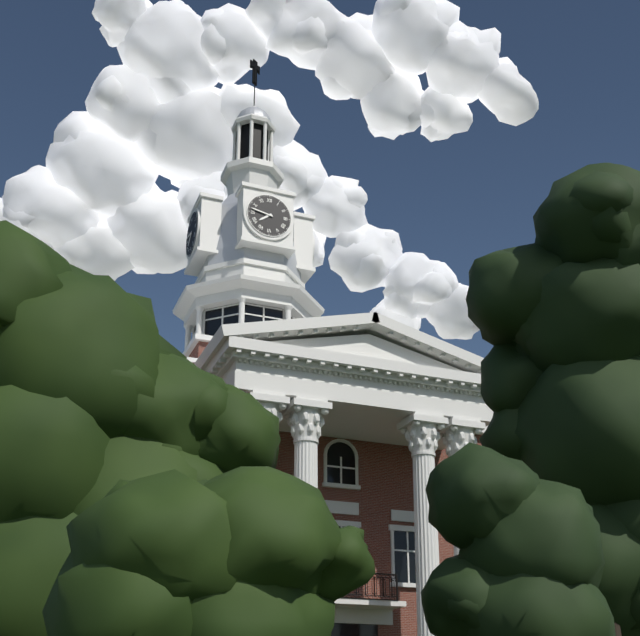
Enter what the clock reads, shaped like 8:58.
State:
7:47
